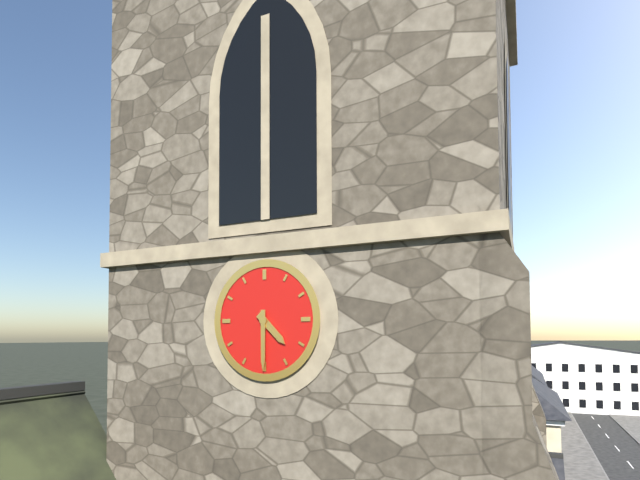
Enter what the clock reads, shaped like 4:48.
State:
4:30
